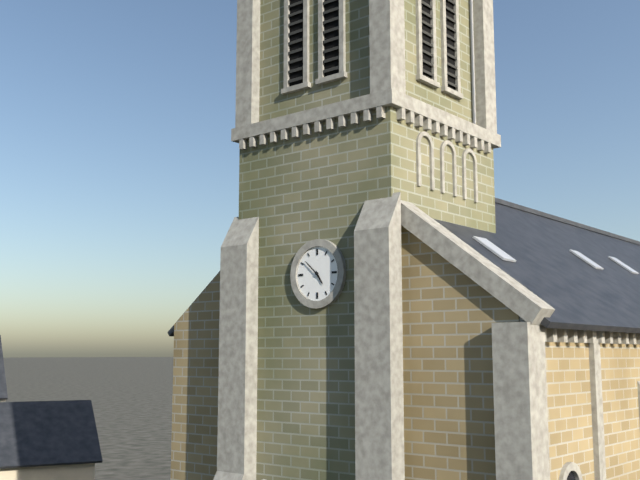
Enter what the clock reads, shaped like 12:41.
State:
4:52
